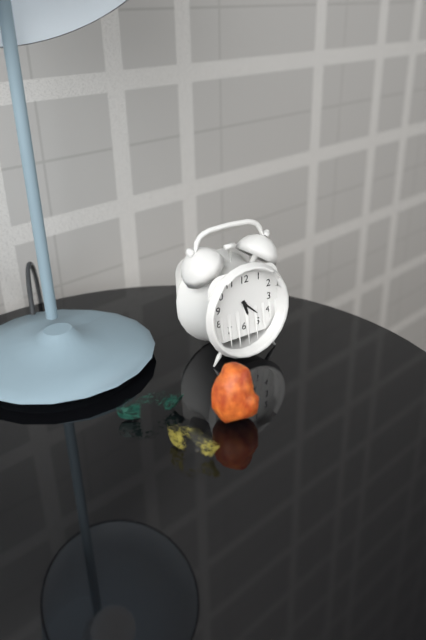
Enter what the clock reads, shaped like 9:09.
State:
5:22
